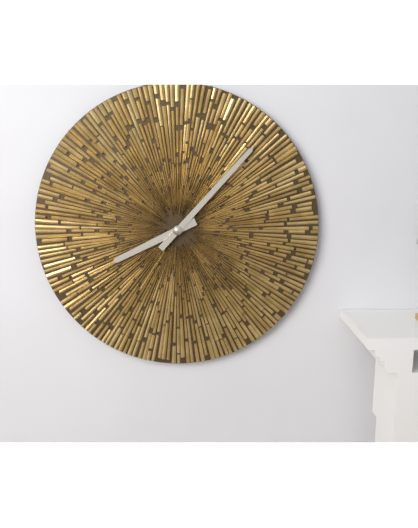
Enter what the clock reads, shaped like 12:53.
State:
8:07
